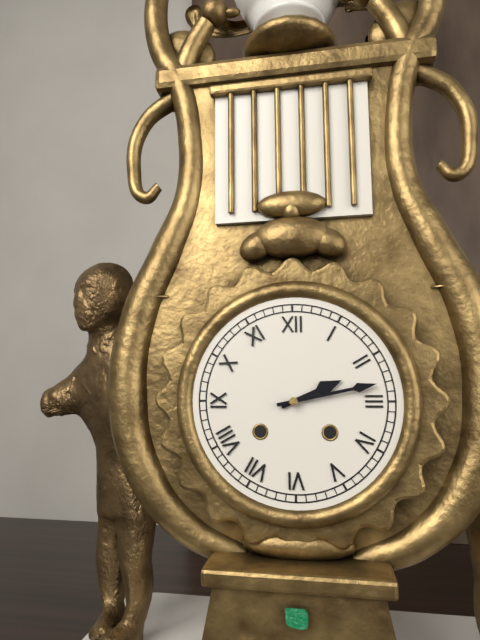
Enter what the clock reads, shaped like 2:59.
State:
2:13
